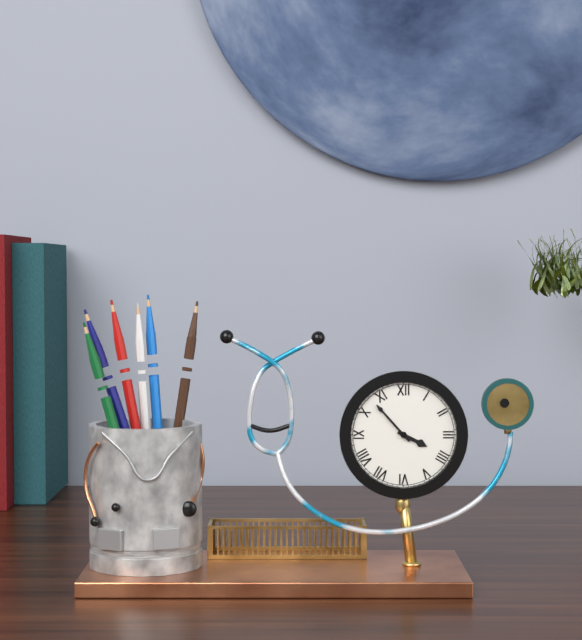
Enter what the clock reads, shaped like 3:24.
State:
3:53
